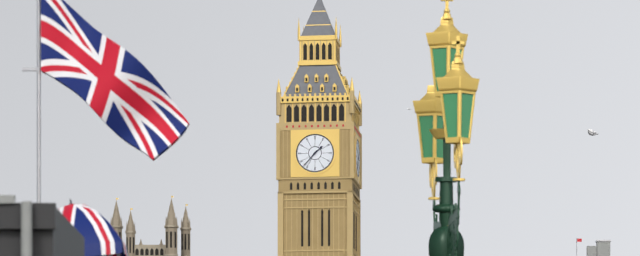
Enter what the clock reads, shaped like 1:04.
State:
1:37
